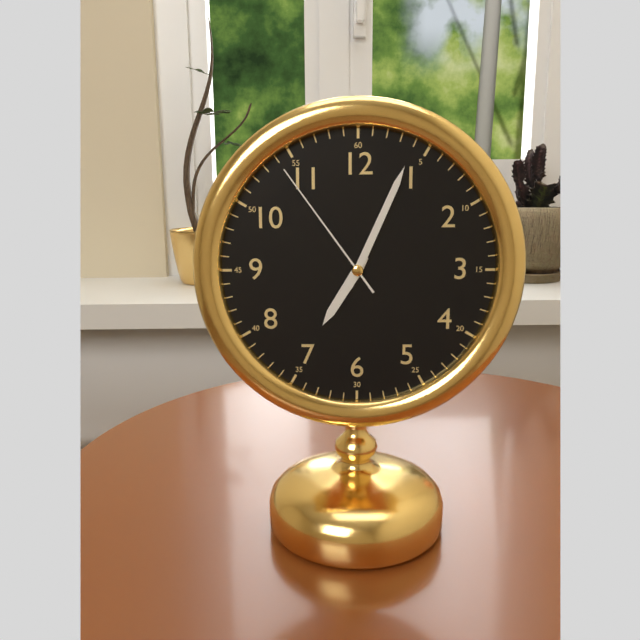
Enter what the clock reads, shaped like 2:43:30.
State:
7:04:54
